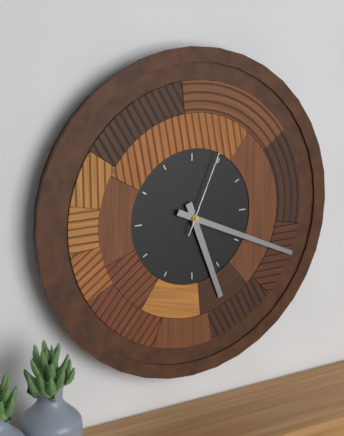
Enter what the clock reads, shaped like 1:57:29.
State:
5:19:04
